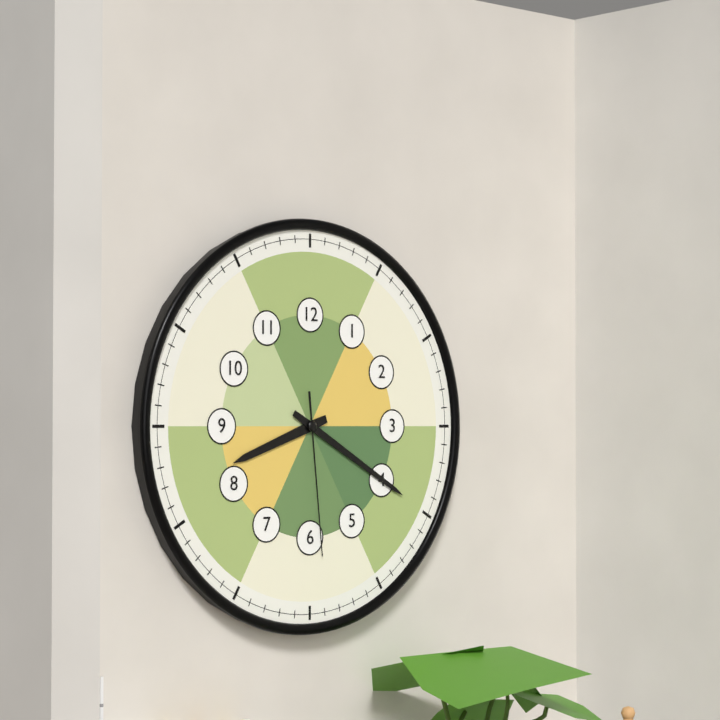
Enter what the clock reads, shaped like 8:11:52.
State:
8:20:29
